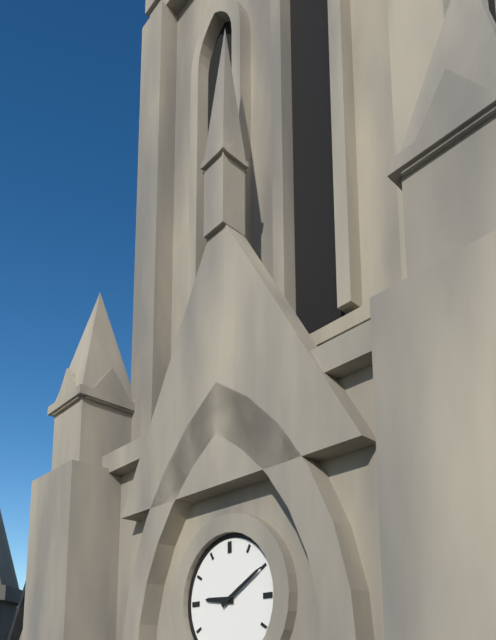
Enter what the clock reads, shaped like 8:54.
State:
9:10
